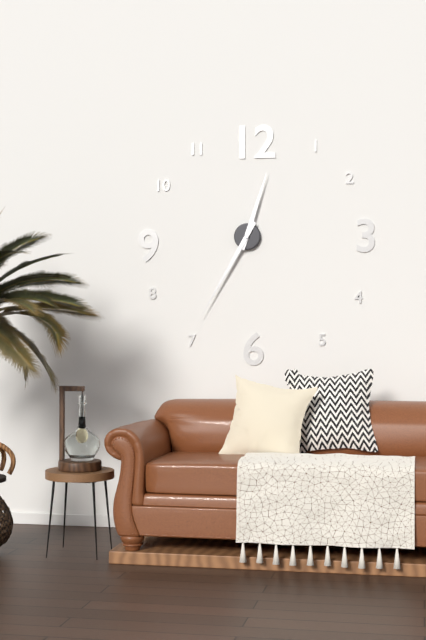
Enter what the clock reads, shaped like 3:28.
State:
12:35
